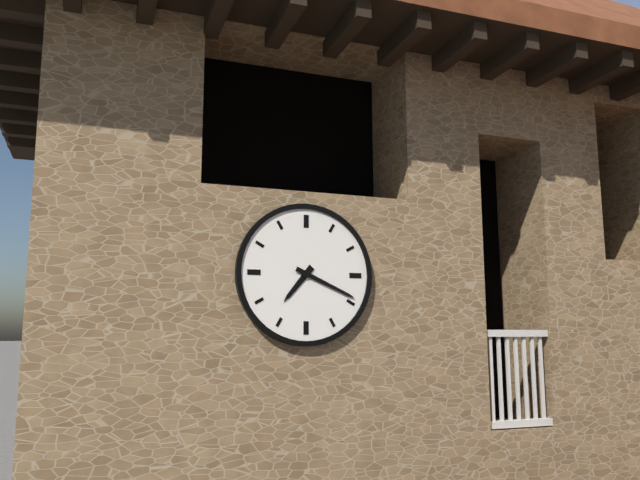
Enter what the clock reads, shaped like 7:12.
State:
7:19
